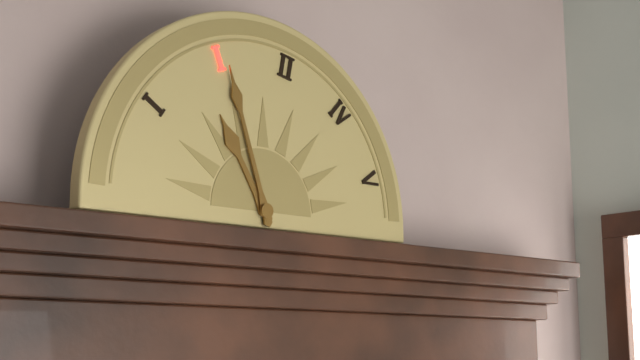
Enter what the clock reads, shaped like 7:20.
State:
10:57
